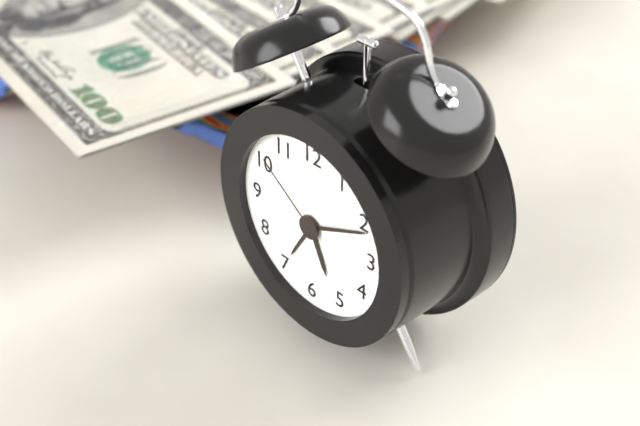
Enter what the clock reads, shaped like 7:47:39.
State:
5:11:51
